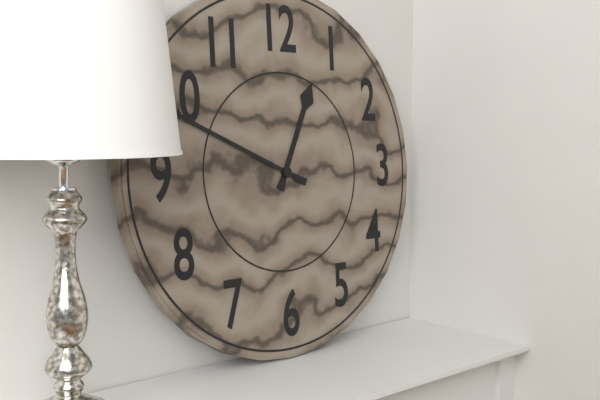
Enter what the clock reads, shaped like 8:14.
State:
12:49
